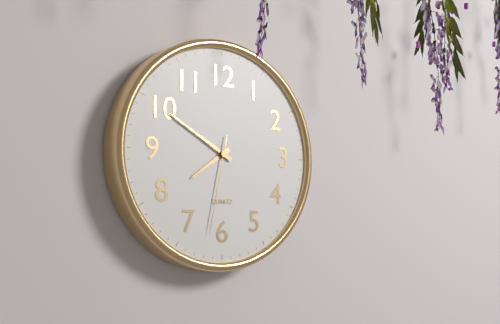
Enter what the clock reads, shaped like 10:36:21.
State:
7:50:32
